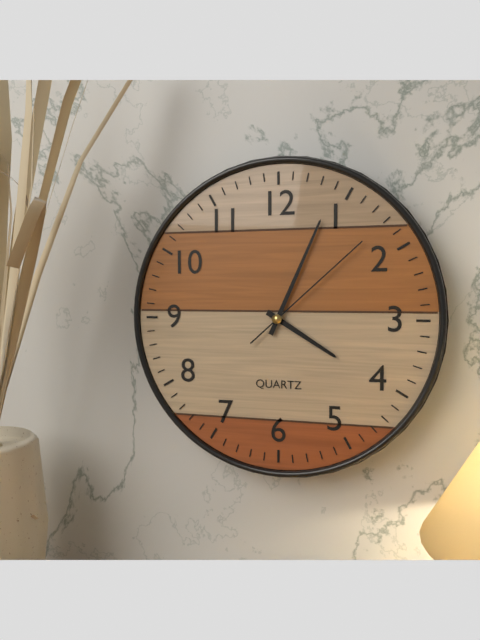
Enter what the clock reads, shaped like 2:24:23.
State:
4:04:08
